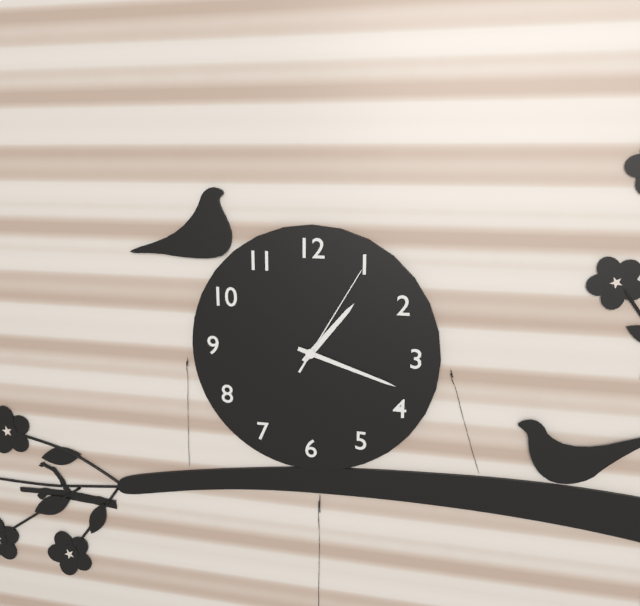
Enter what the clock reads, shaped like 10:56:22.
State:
1:18:05
